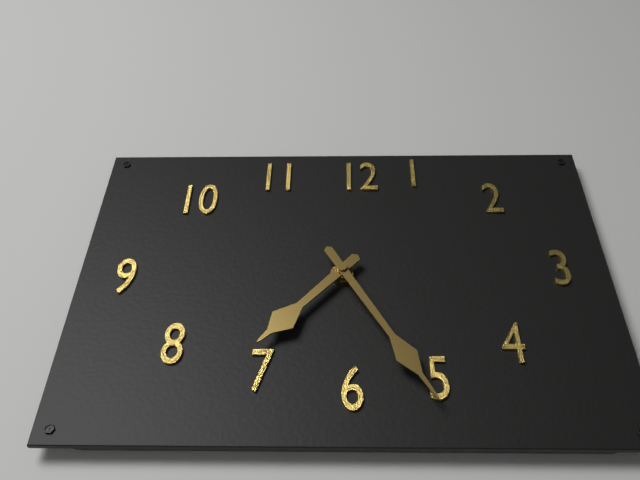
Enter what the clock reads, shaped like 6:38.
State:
7:25
